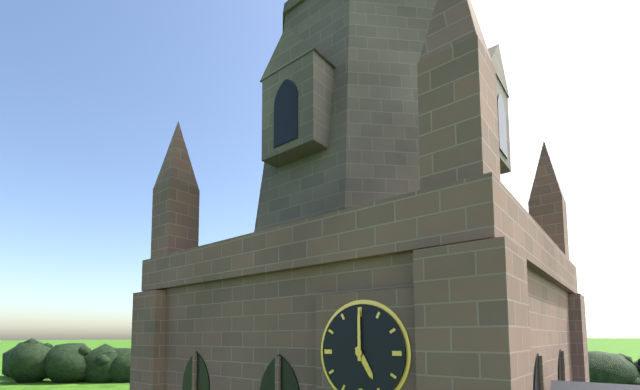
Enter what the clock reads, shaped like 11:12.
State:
5:00
